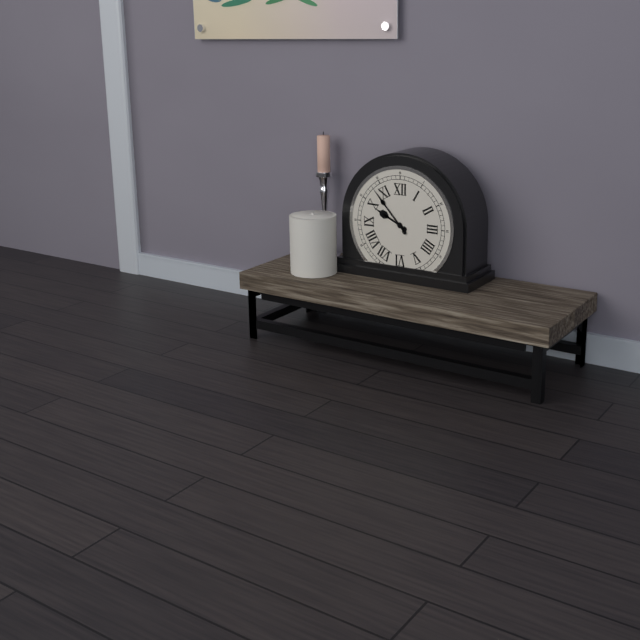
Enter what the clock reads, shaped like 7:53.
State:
9:53
